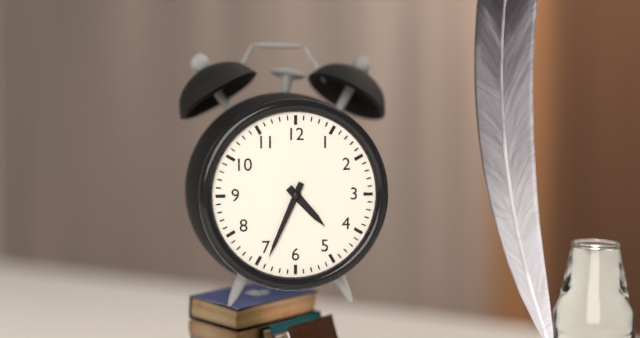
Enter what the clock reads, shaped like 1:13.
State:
4:34
